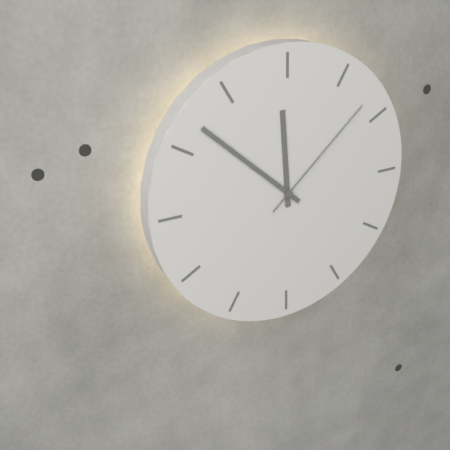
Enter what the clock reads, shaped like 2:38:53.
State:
11:52:08
